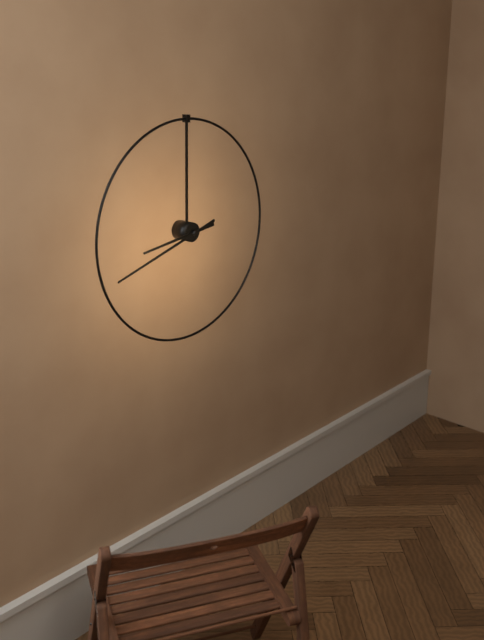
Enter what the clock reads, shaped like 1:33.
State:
8:42
